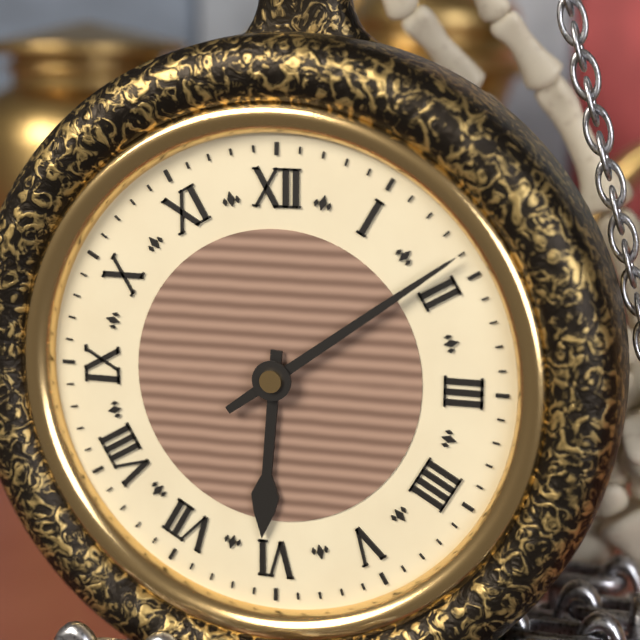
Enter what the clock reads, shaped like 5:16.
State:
6:09
